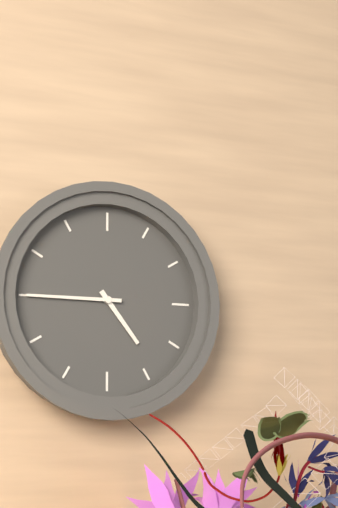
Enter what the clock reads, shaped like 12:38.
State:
4:45
